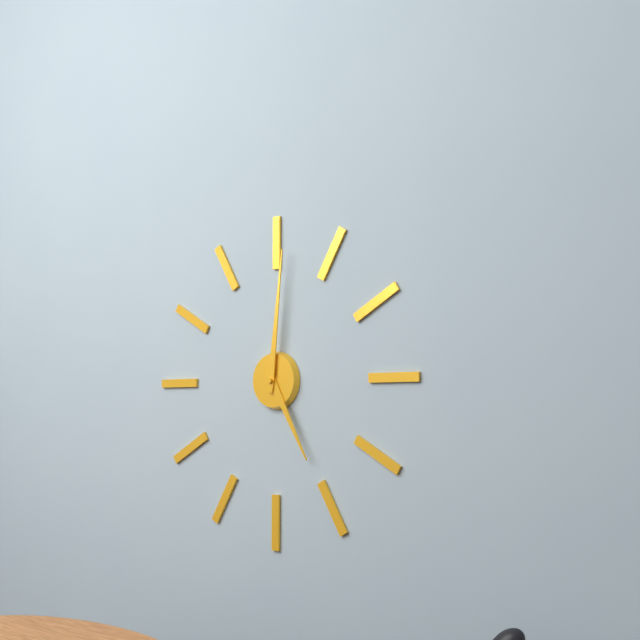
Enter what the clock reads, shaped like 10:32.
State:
5:01
